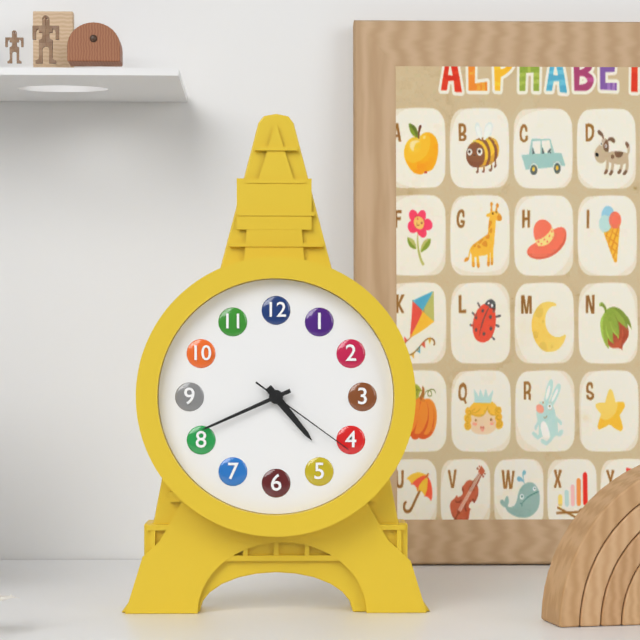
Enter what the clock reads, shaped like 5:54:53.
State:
4:41:21
